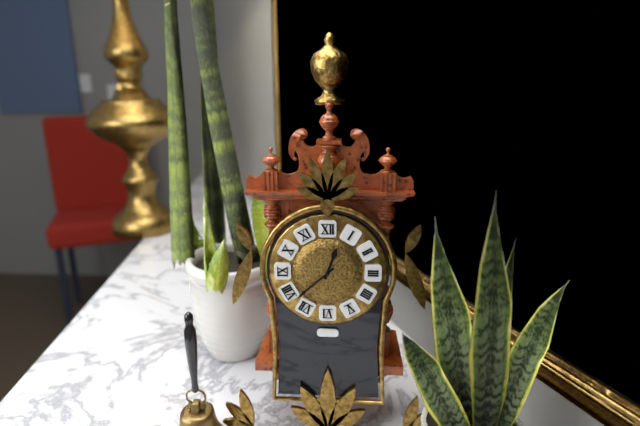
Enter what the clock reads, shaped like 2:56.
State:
12:38
